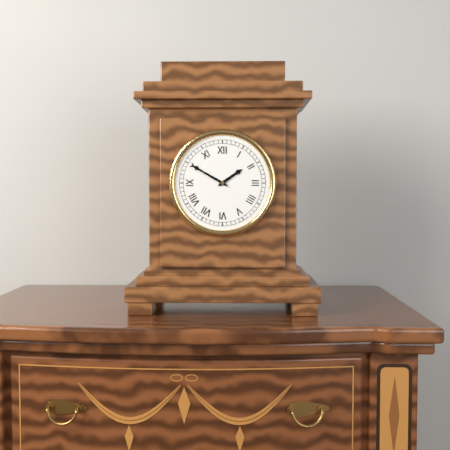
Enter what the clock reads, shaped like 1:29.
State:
1:50
